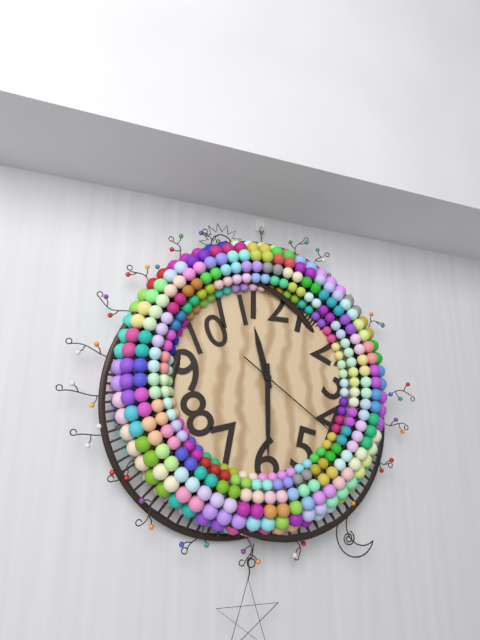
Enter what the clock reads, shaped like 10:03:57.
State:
11:30:21
